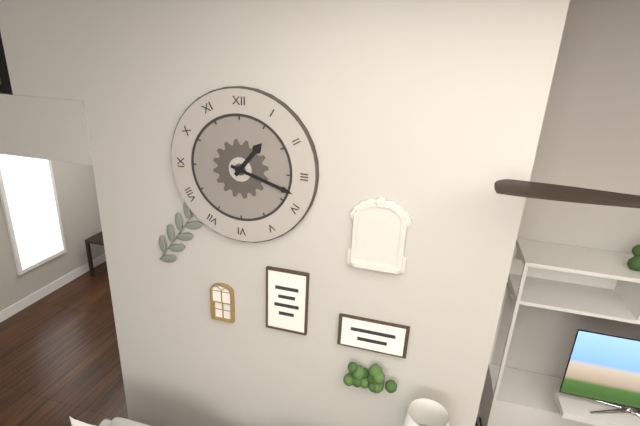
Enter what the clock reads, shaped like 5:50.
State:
1:18
